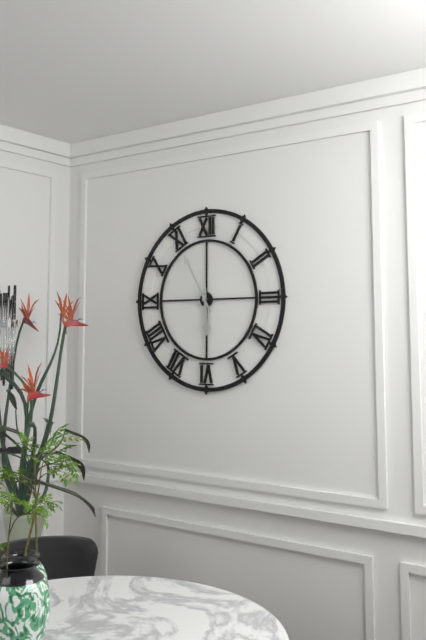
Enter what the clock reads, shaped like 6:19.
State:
5:55
